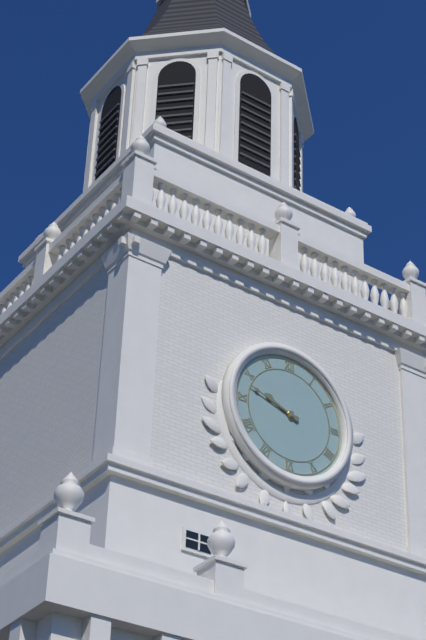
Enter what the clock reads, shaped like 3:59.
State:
9:48
